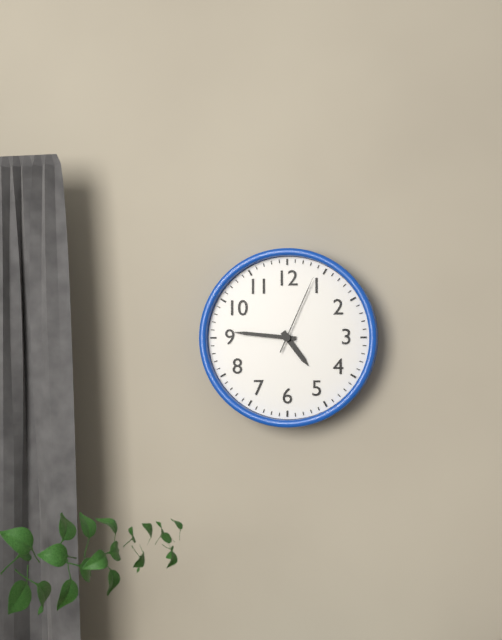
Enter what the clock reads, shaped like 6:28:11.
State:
4:46:04
